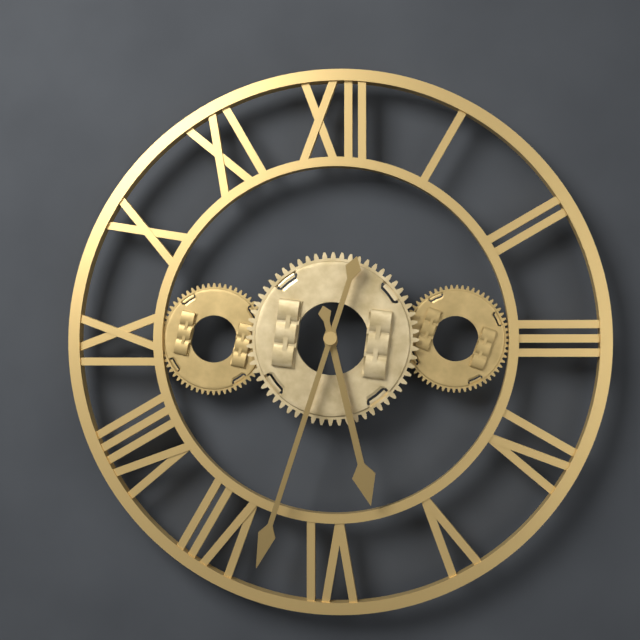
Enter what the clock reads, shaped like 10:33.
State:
5:33
